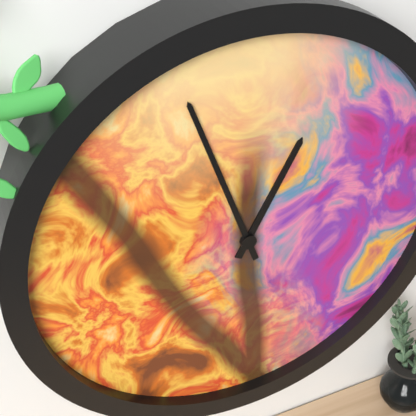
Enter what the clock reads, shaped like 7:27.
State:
12:57
